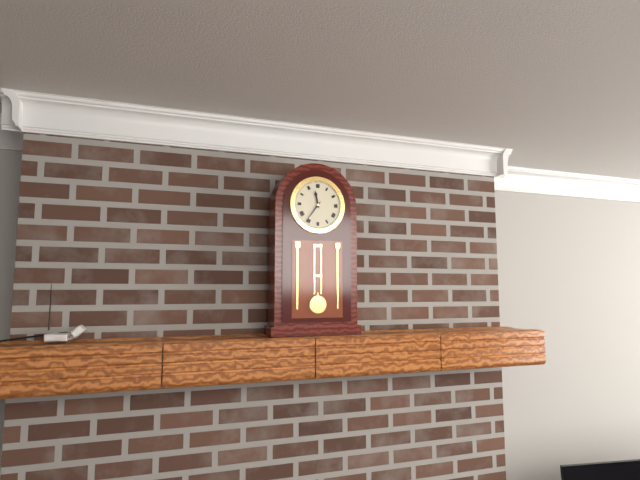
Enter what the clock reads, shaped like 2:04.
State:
11:36
